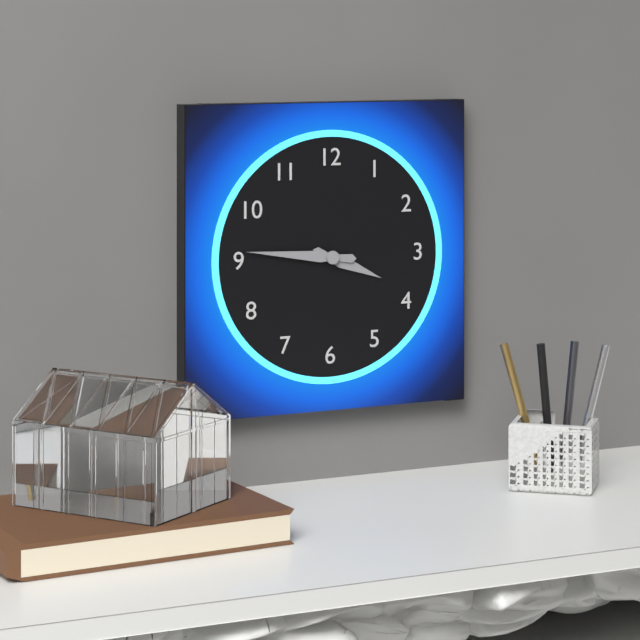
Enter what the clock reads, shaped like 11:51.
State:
3:46
